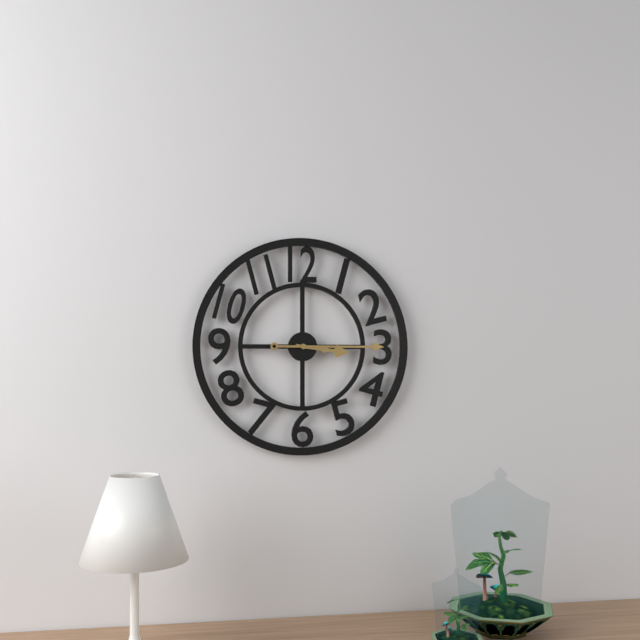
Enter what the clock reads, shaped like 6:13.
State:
3:15
